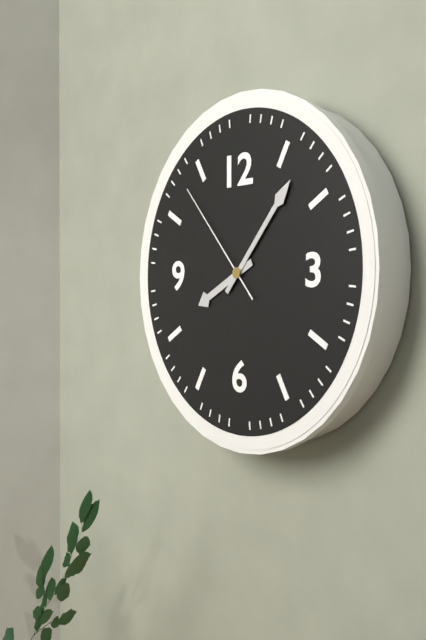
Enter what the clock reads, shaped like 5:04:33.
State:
8:07:53
